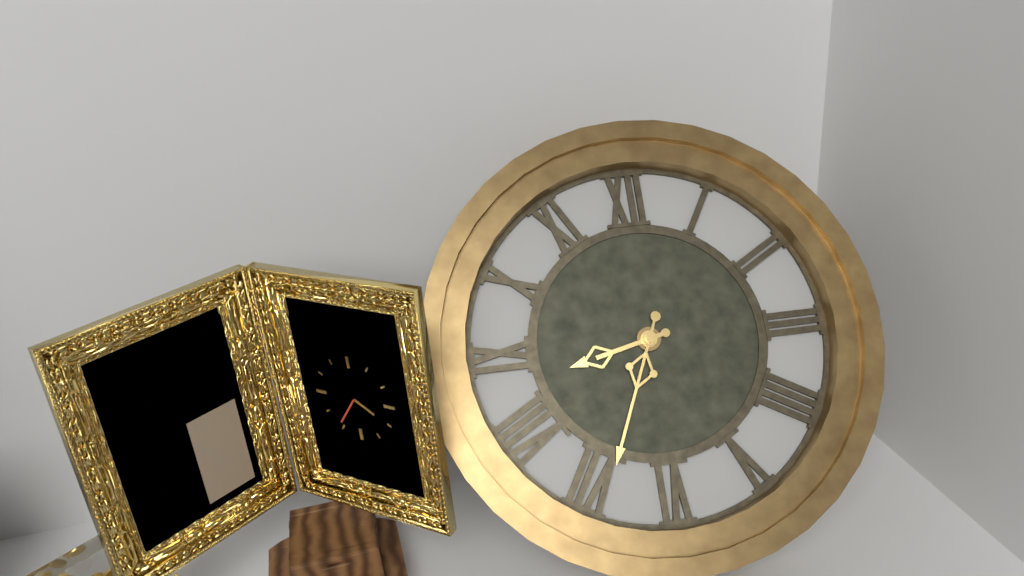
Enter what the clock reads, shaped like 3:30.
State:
8:34
